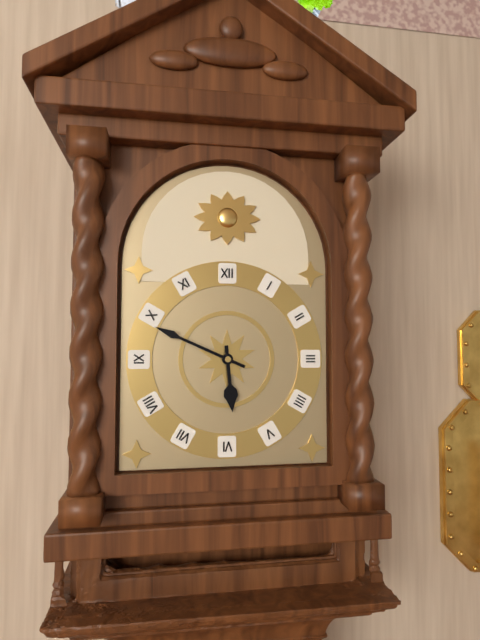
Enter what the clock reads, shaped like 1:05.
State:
5:49
